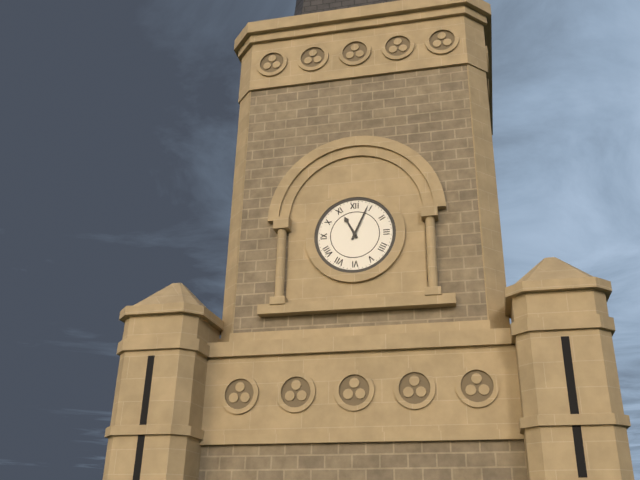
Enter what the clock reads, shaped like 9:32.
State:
11:04
